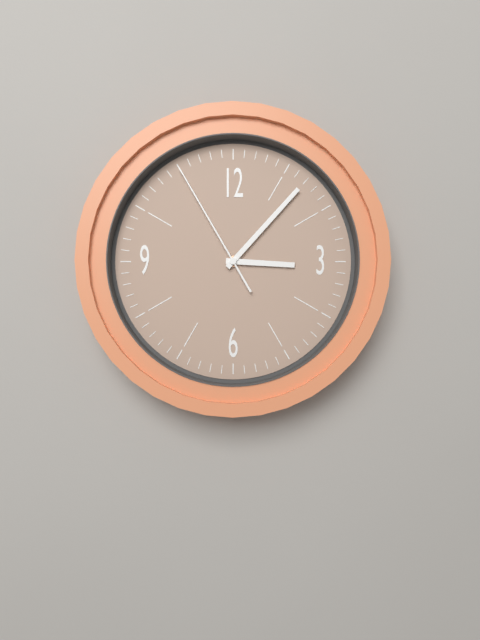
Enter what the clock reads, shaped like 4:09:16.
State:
3:07:55
